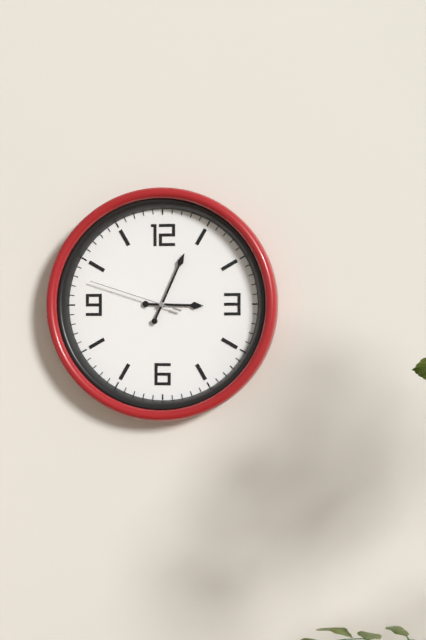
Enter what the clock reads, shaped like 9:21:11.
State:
3:04:48
